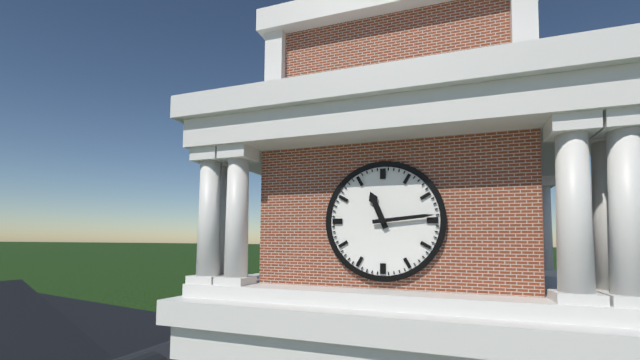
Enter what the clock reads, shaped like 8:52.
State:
11:14
